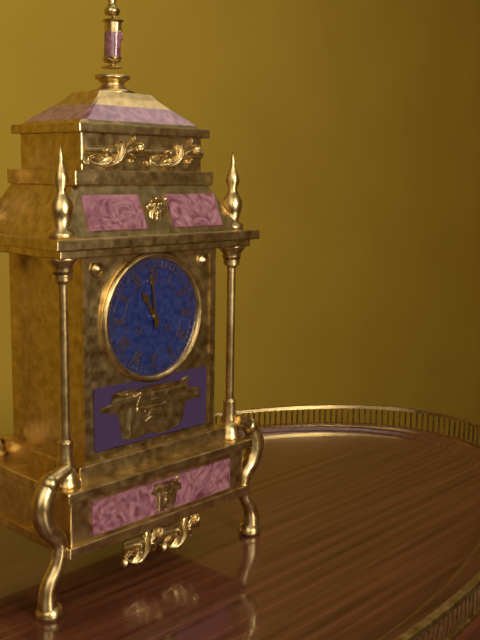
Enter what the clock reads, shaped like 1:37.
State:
10:59
